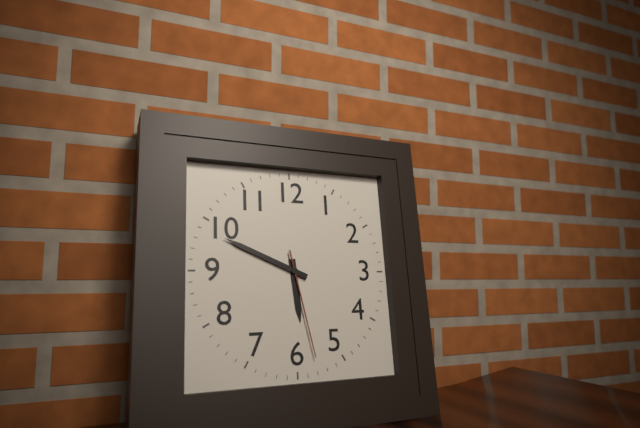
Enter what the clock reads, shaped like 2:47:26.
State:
5:49:28
